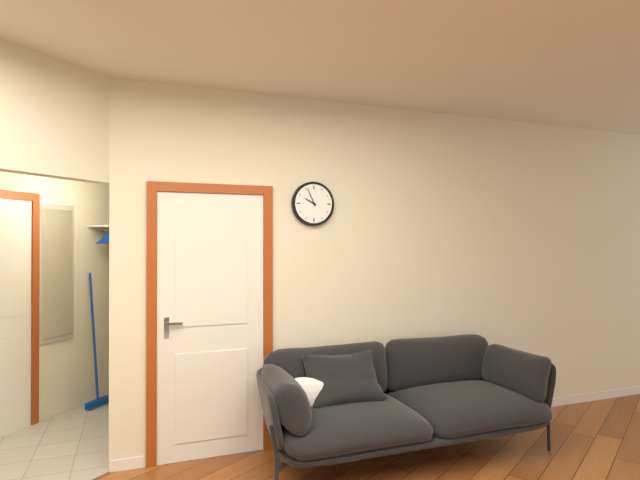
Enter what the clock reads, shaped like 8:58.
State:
9:56
